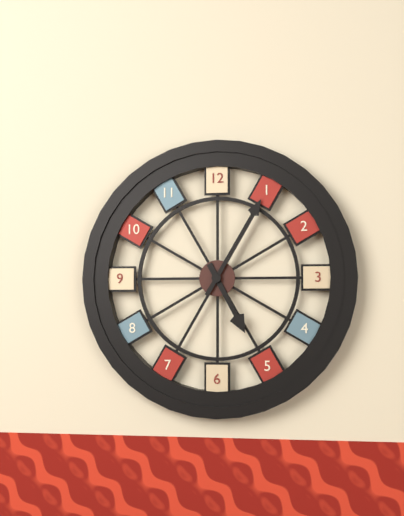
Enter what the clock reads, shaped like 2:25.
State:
5:05
